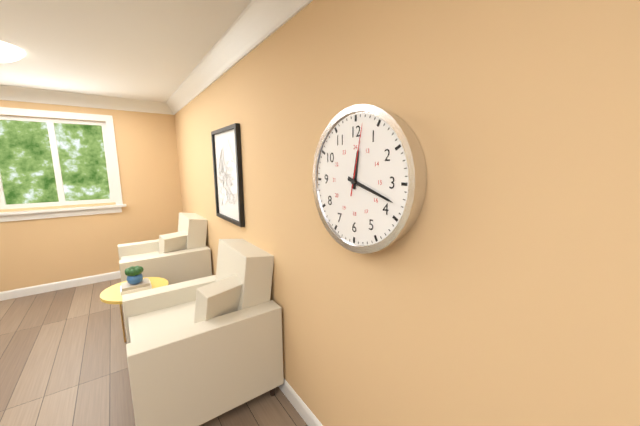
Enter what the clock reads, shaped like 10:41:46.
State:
12:18:02
